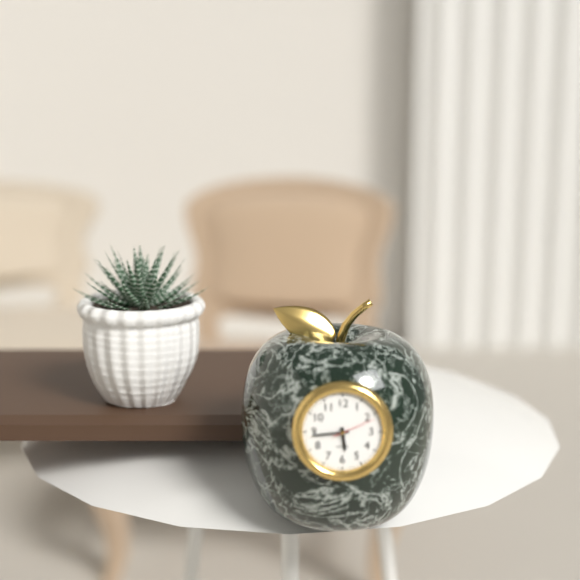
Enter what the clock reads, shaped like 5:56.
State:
5:44
